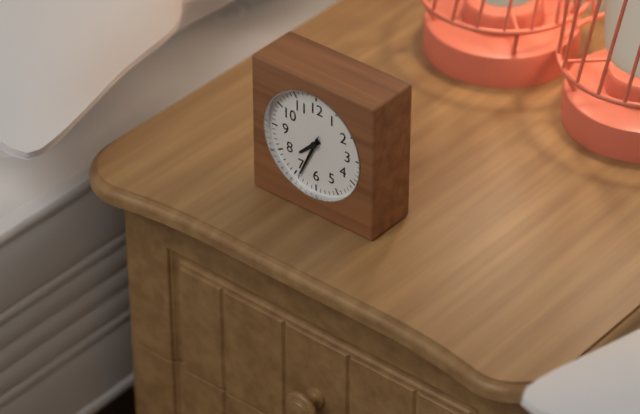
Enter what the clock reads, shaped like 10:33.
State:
7:34
